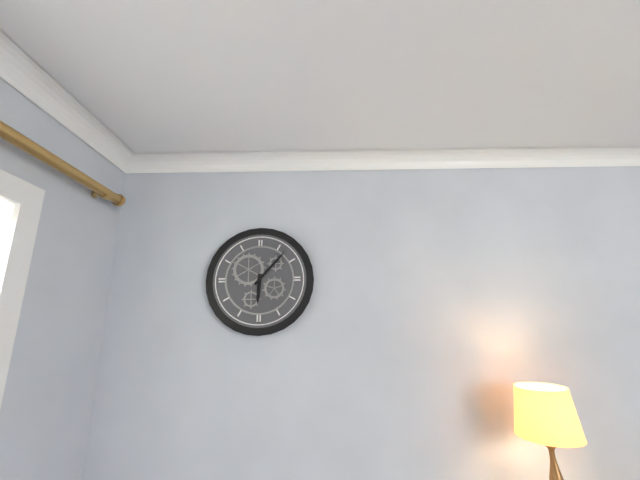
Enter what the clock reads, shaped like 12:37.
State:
6:07
